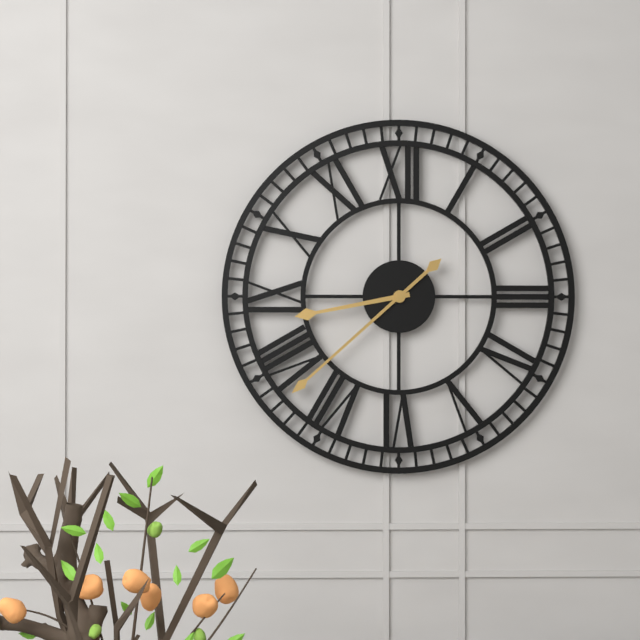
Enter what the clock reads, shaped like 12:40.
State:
8:38
